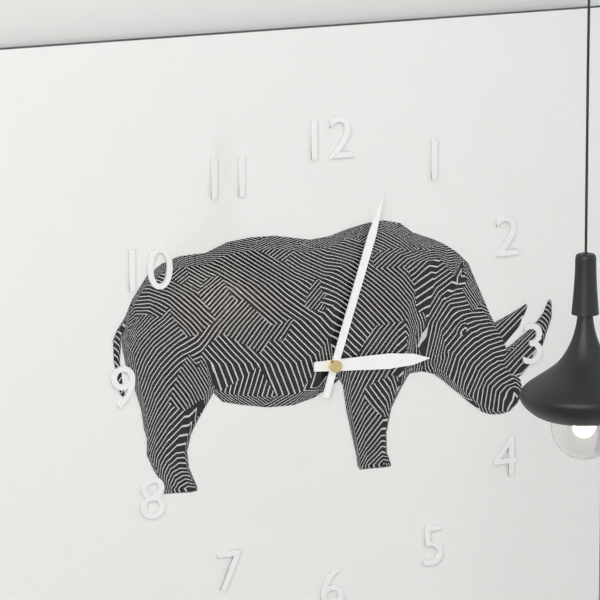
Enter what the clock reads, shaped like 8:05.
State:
3:03
